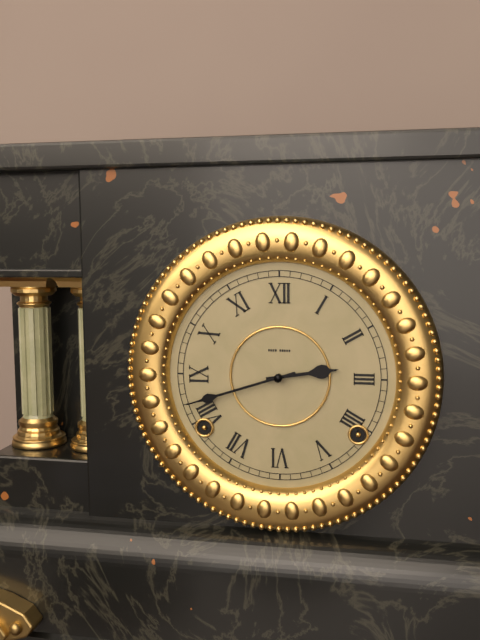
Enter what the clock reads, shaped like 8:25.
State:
2:42
